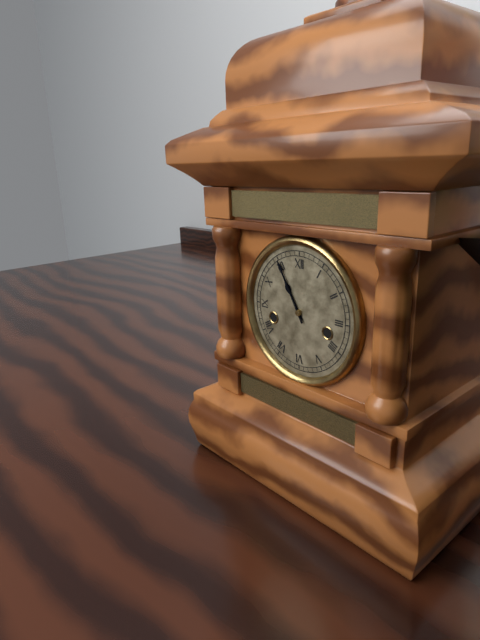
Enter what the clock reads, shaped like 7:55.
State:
10:55
